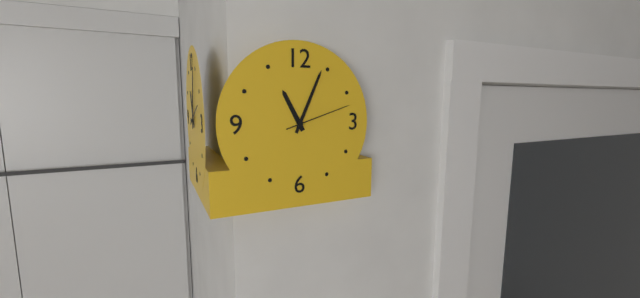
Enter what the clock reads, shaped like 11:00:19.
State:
11:04:12
